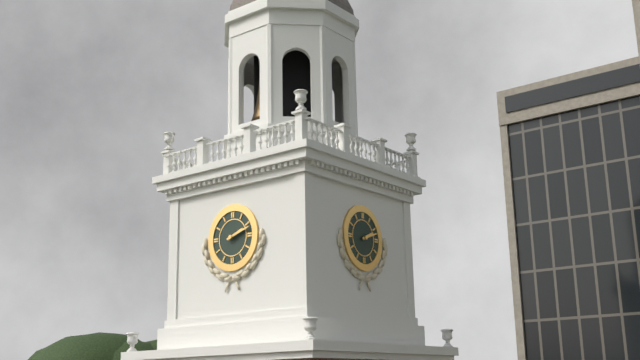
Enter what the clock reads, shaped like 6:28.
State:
2:12
